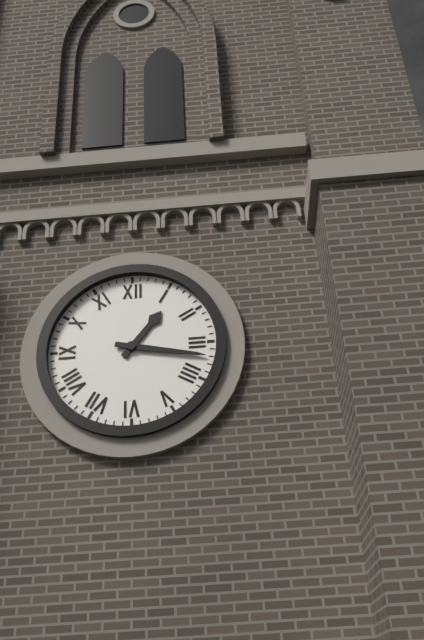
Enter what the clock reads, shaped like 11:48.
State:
1:17
